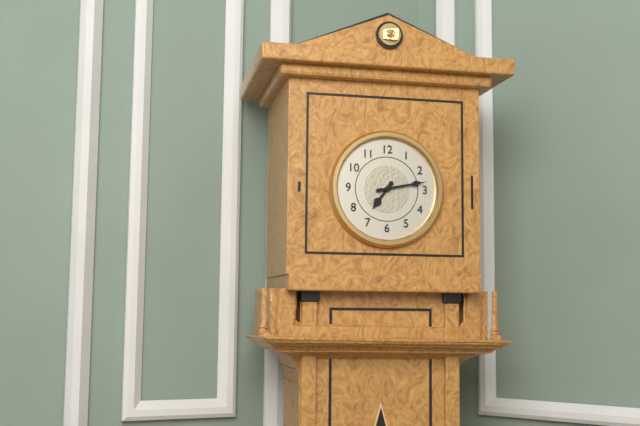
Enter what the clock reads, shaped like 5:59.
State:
7:13
